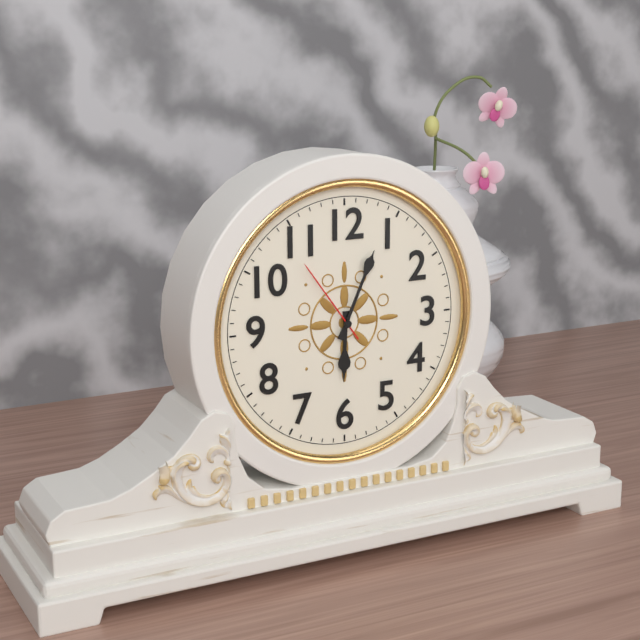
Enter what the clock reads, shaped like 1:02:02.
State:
6:04:54
